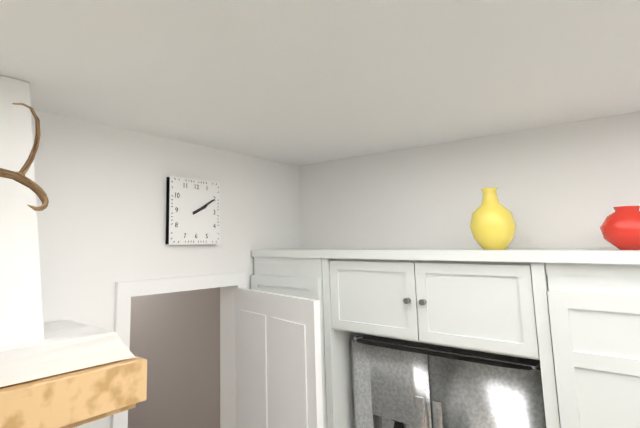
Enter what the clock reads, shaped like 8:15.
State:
2:10
